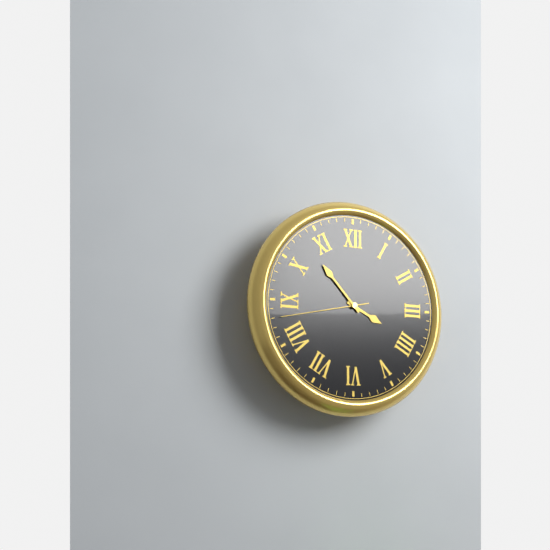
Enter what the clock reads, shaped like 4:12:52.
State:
3:53:43
